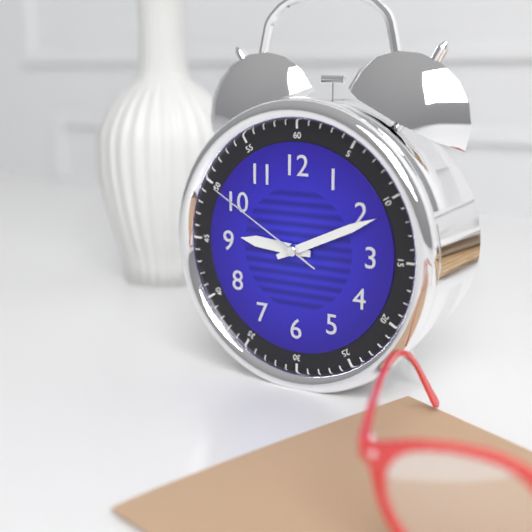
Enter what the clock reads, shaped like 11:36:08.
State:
9:11:50
